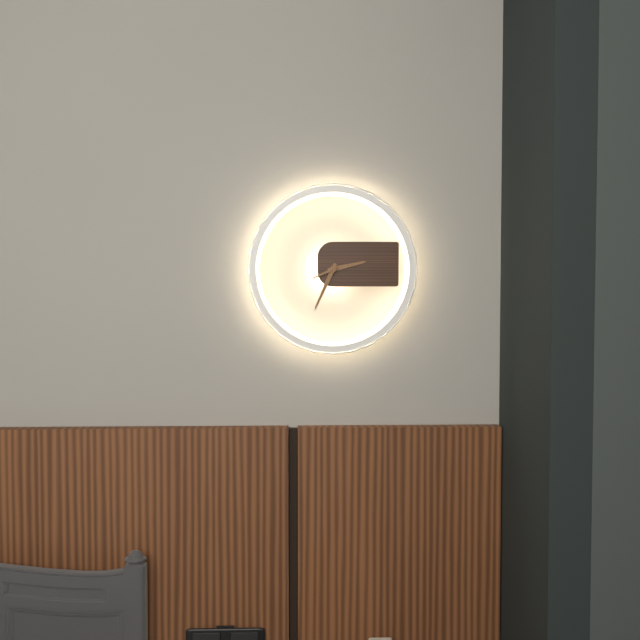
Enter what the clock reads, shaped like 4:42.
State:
2:34
